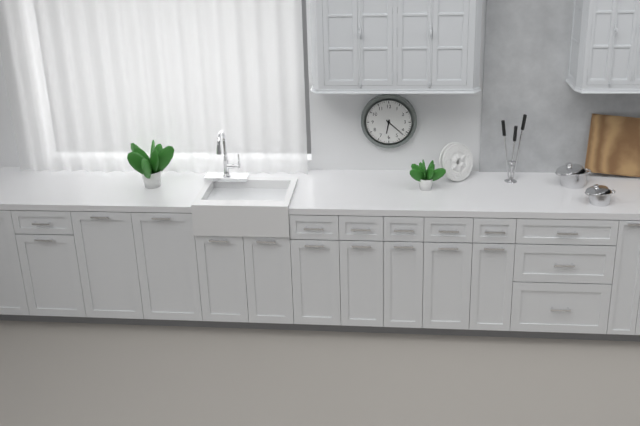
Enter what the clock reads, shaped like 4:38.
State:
6:22
